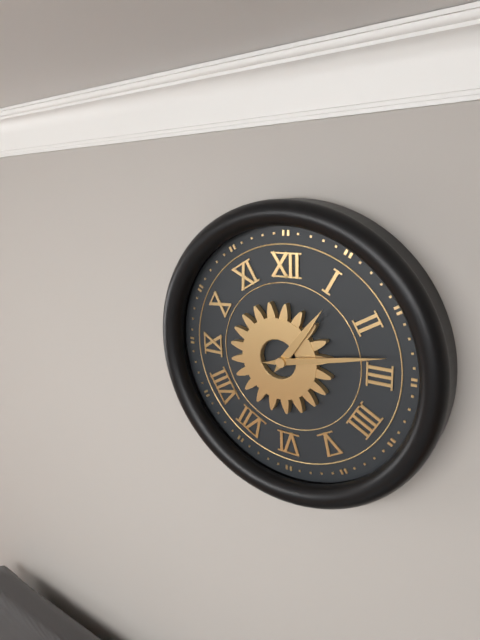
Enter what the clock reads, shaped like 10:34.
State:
1:13
